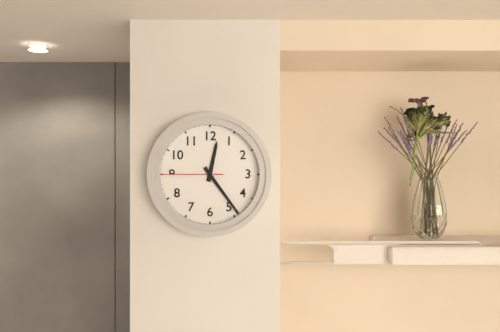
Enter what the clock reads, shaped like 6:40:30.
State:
12:24:45
